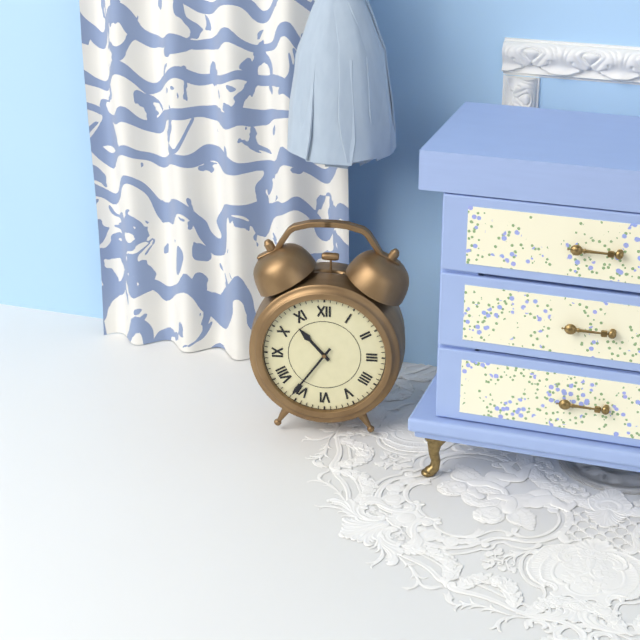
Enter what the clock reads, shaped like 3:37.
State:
10:36
